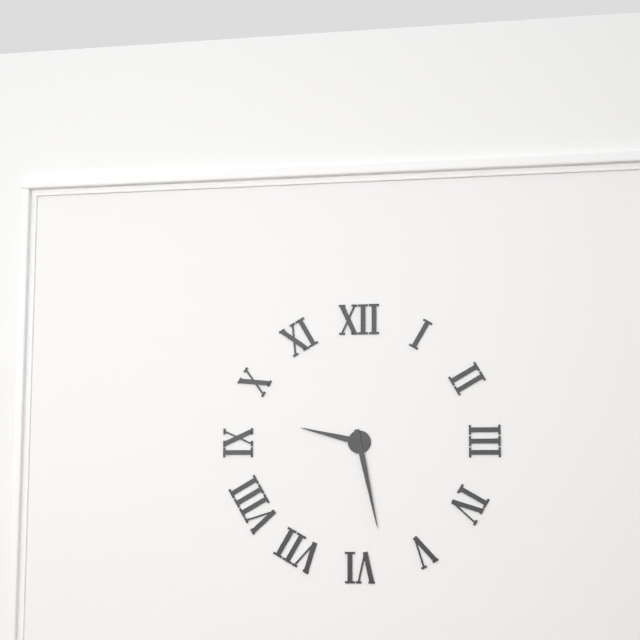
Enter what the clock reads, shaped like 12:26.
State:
9:28
